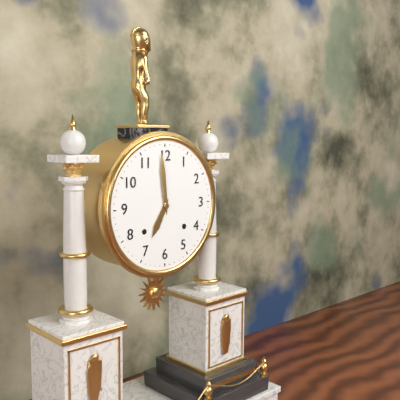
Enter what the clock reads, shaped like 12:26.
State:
6:59
